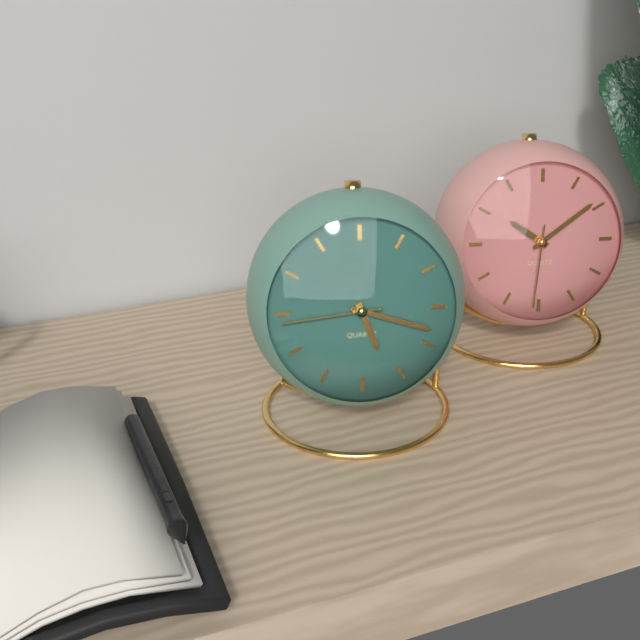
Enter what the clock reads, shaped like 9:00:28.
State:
5:18:44
